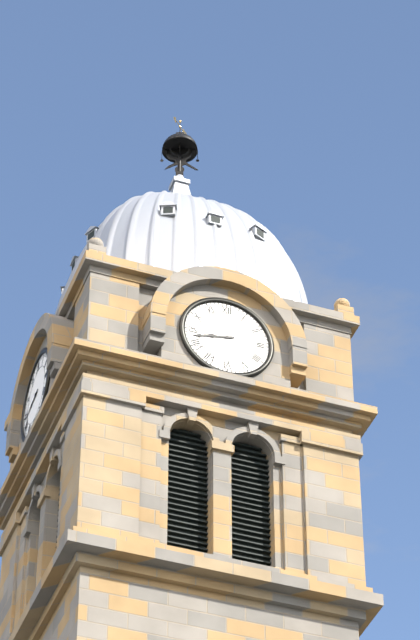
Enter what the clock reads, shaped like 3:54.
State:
8:43
